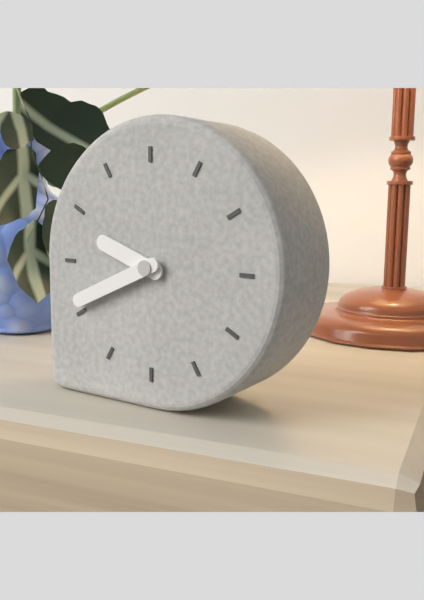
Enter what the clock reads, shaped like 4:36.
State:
9:41
